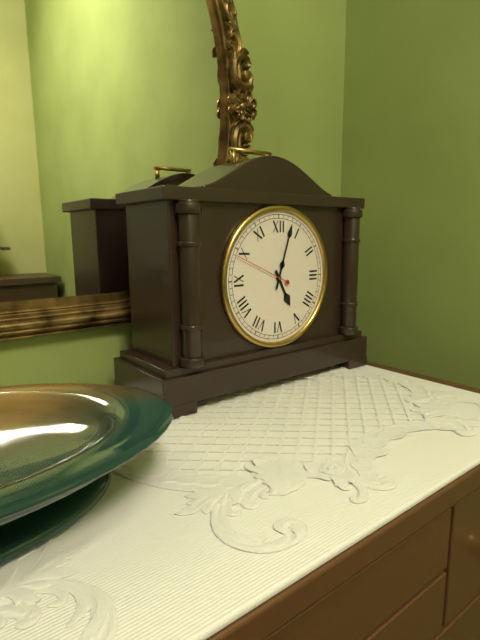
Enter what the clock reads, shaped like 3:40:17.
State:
5:03:49
